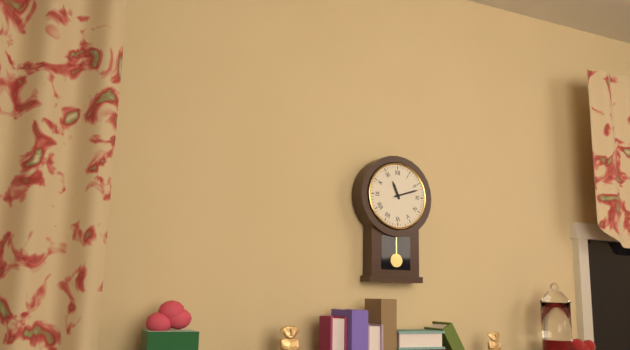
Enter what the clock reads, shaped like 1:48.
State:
11:12
